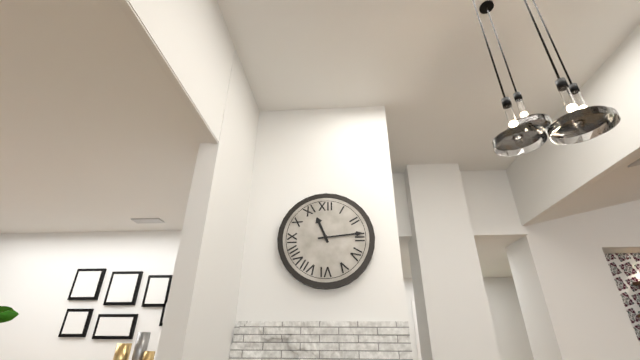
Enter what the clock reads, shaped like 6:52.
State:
11:14
